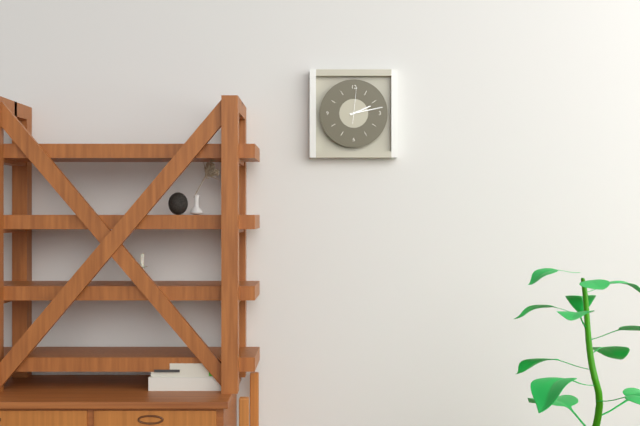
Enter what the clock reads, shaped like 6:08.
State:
2:13
